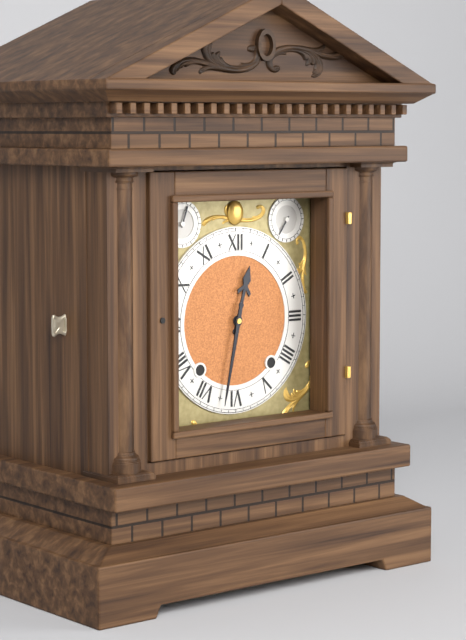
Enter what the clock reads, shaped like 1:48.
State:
12:32
